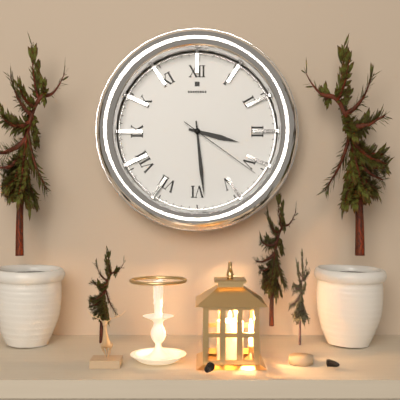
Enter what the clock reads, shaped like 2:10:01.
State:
3:29:21
